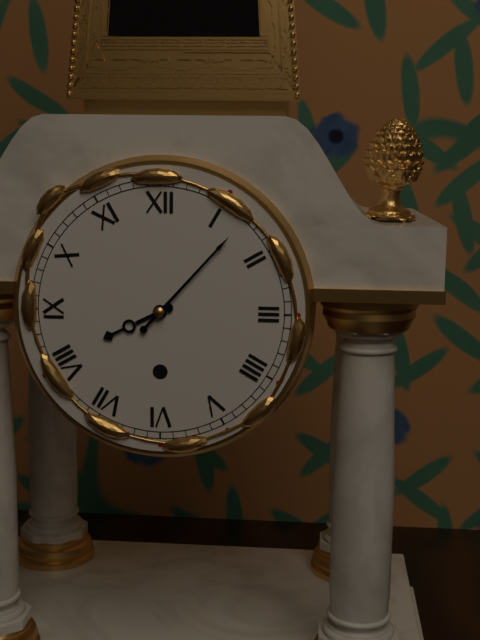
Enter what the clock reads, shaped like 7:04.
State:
8:07
